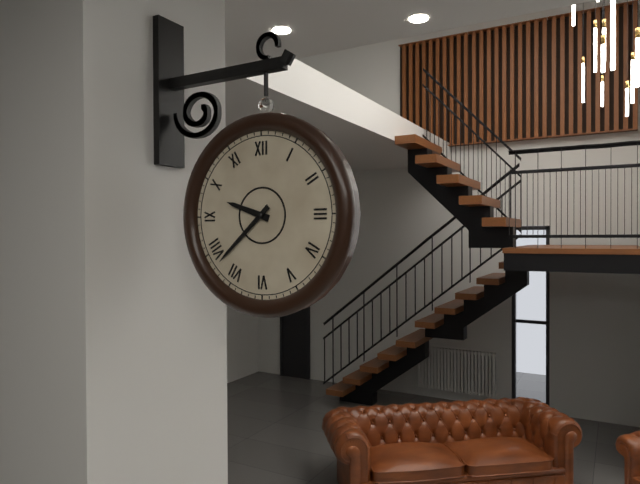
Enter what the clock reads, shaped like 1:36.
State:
9:38
